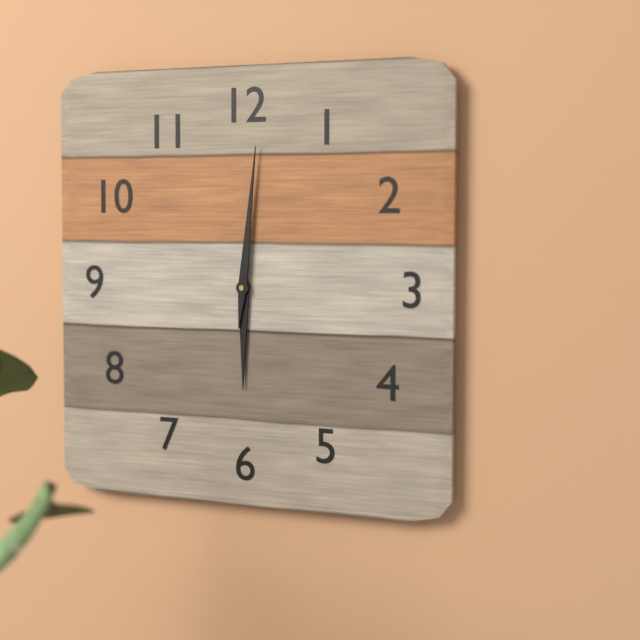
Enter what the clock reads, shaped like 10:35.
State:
6:01
